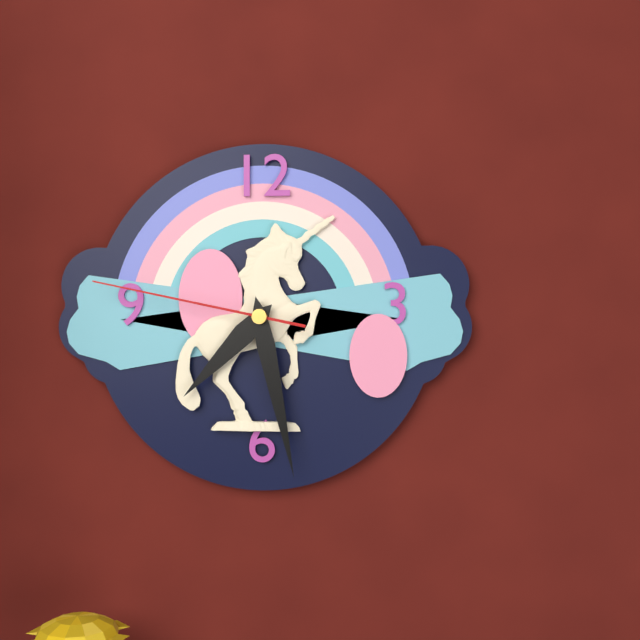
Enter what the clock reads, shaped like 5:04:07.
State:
7:28:47
